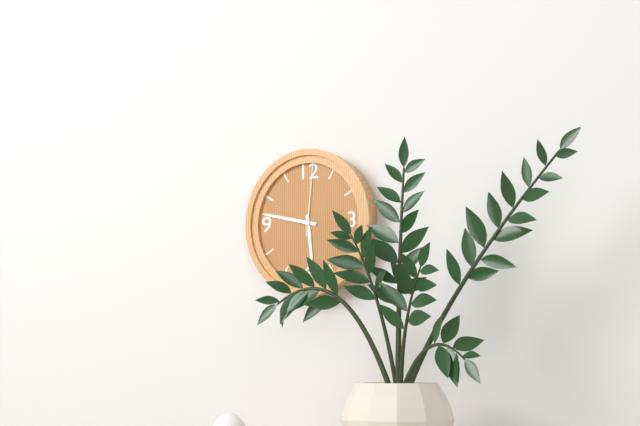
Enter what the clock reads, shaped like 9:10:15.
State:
5:47:01
